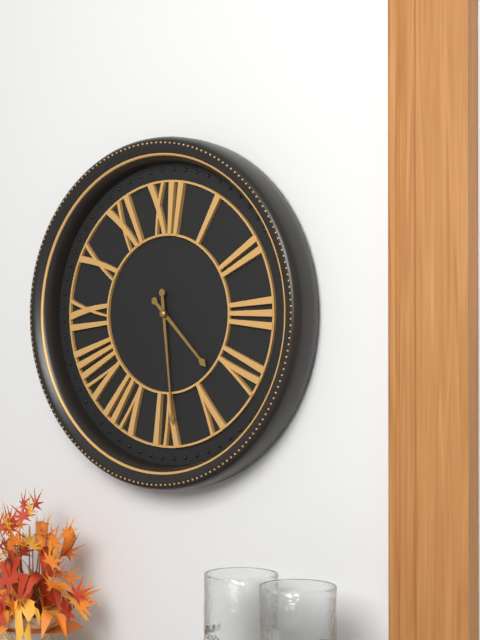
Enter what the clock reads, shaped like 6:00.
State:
4:29
